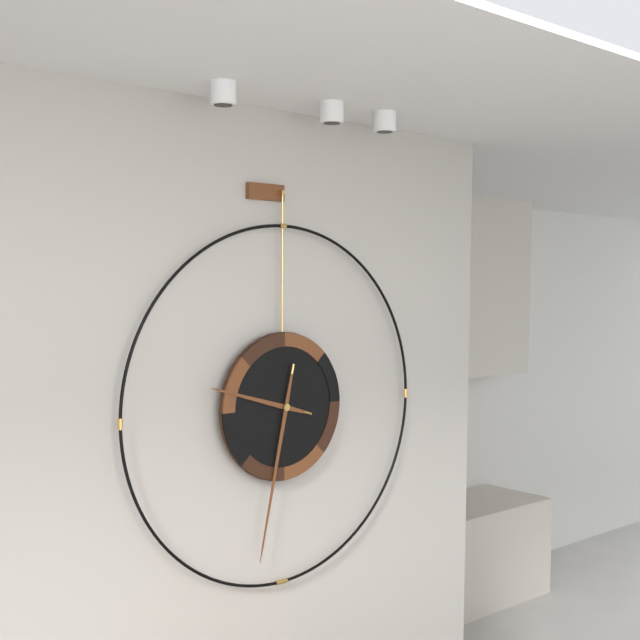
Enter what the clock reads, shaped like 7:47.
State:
9:32
